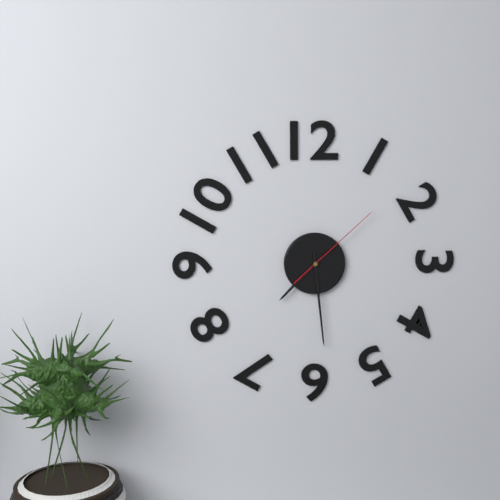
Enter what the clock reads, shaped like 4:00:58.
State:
7:29:08
